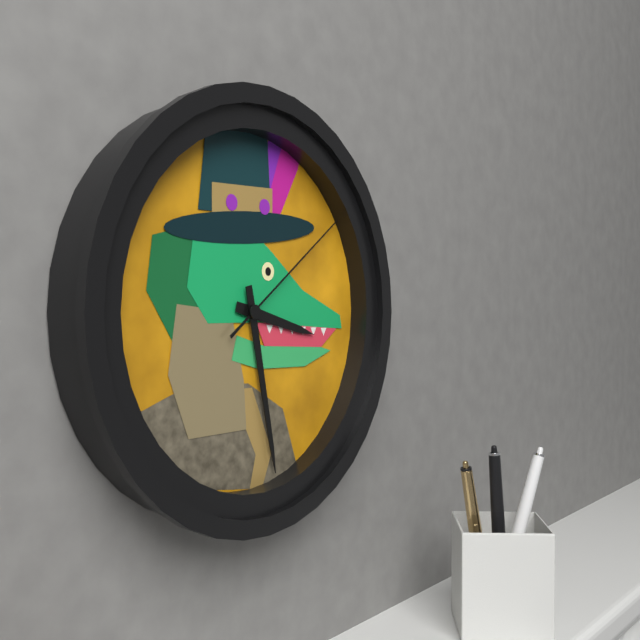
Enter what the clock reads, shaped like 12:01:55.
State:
3:28:09
